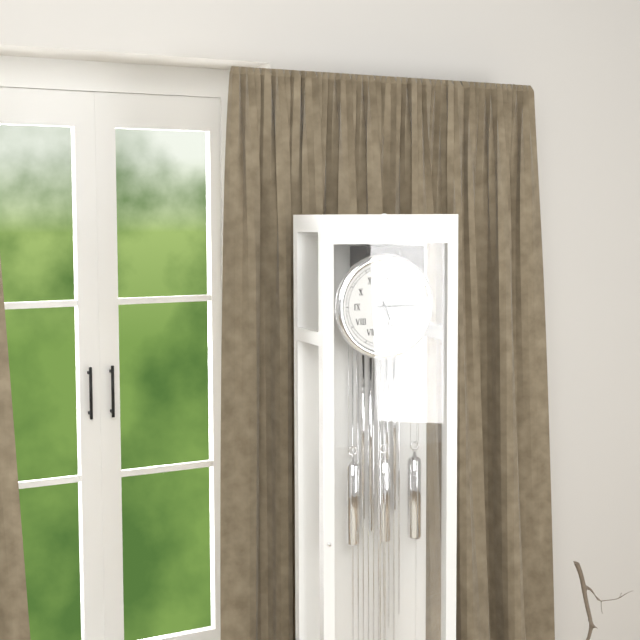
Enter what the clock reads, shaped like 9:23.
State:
5:15
